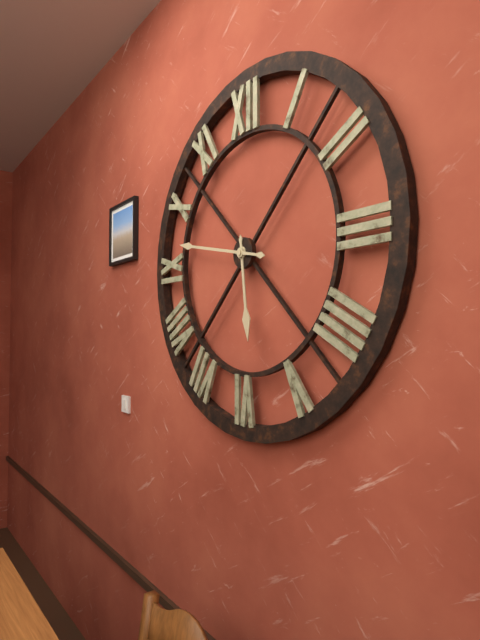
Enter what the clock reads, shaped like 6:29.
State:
5:47
